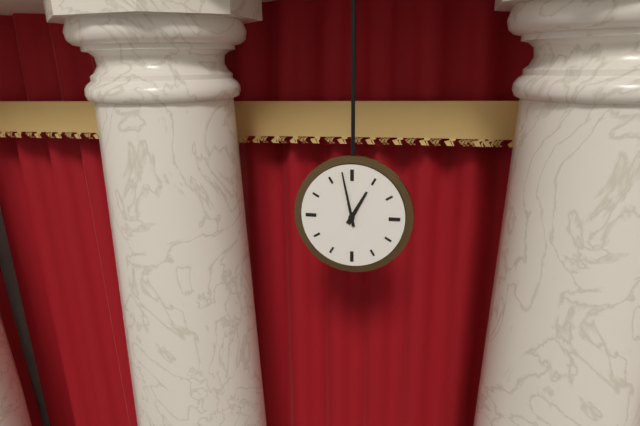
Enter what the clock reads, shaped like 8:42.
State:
12:58
